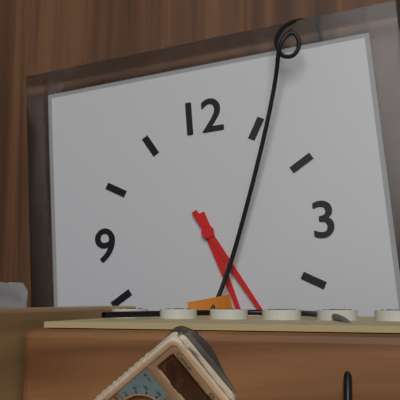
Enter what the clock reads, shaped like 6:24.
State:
5:25
